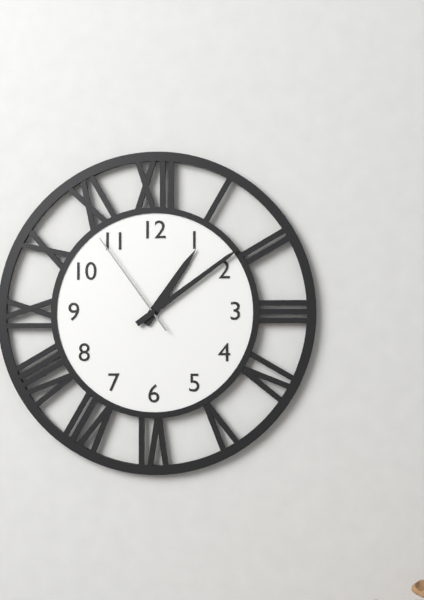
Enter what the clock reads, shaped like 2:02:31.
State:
1:09:54
